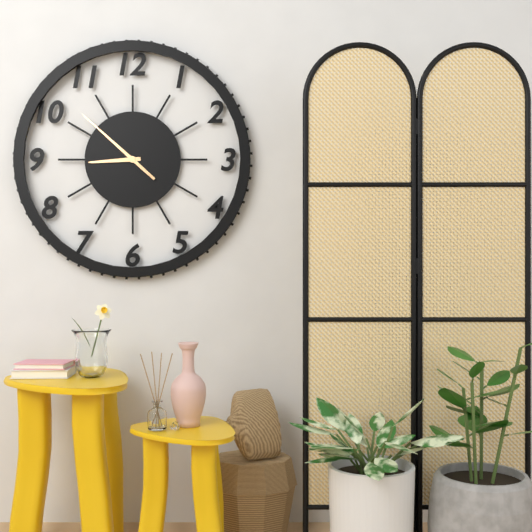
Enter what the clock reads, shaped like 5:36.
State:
8:52
